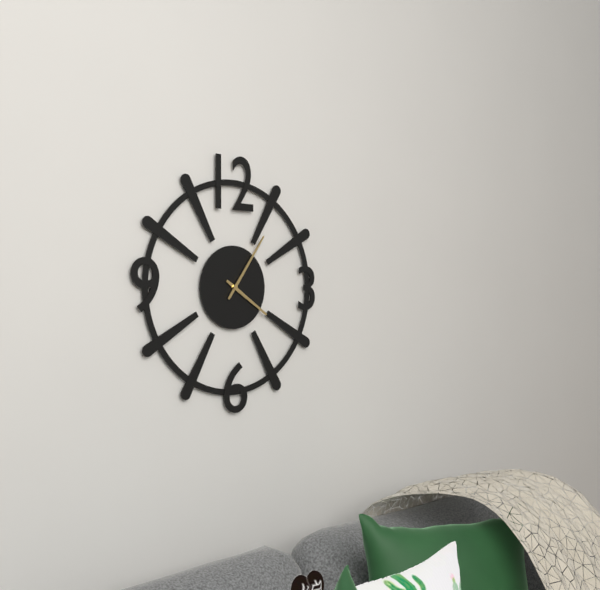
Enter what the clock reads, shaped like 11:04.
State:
4:06
